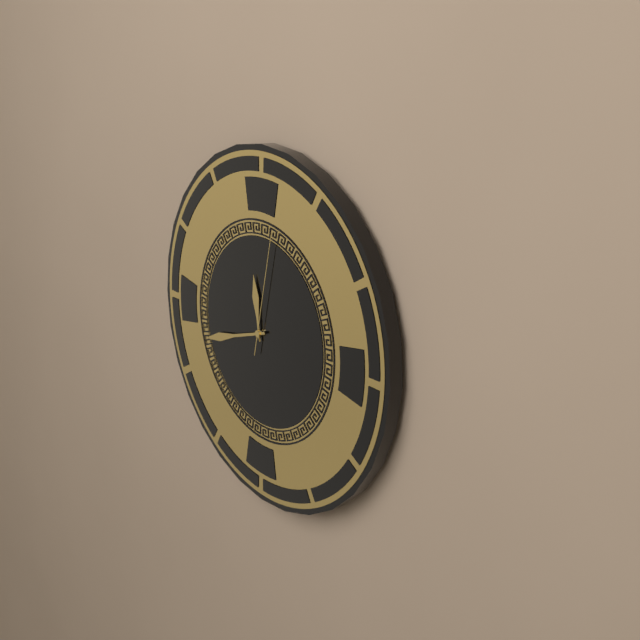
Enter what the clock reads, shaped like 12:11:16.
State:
11:42:02
